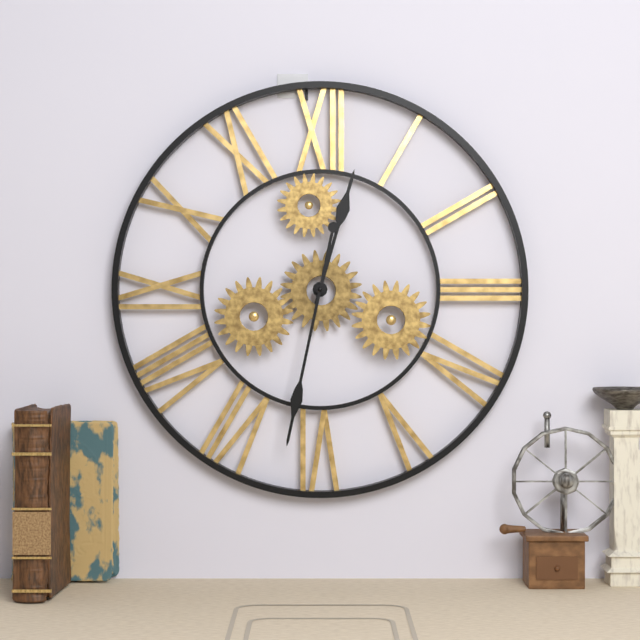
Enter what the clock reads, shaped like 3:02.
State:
12:32
